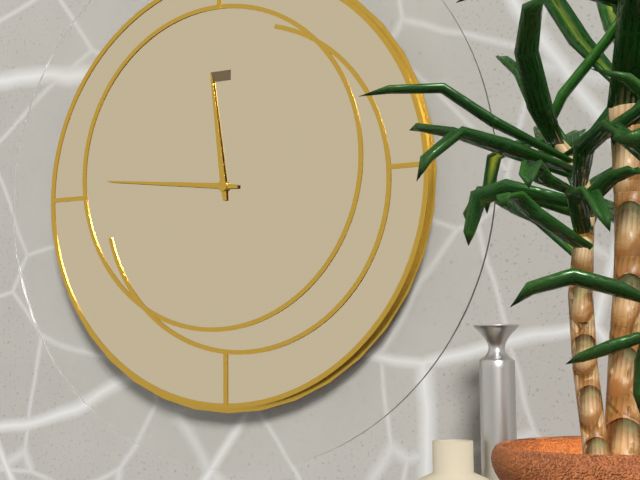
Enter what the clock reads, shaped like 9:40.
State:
11:46
